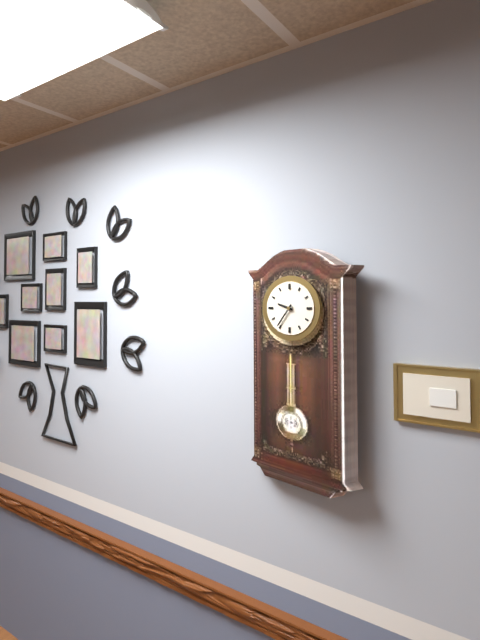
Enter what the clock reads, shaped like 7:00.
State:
9:36
